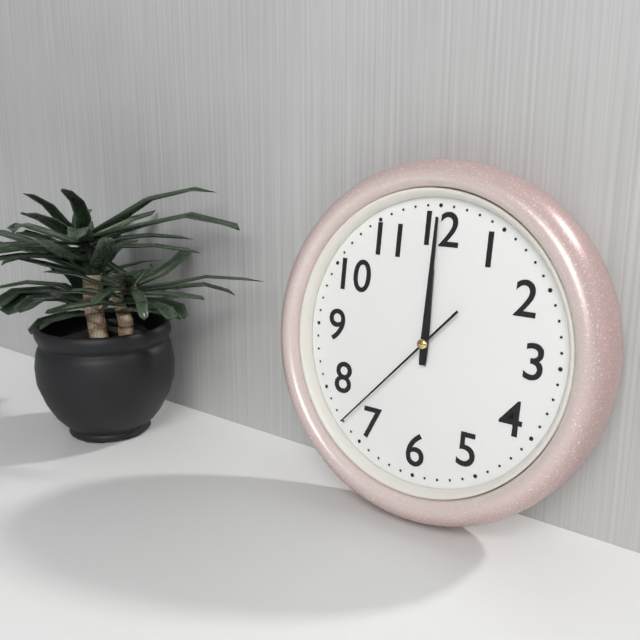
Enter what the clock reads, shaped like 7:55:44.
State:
12:00:37
